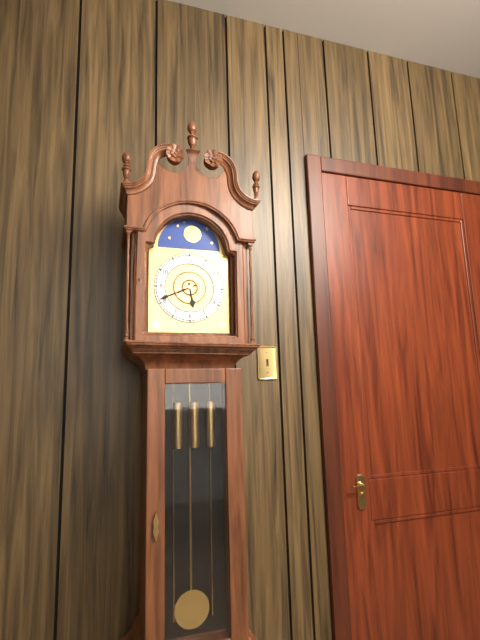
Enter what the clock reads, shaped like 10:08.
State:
5:41
